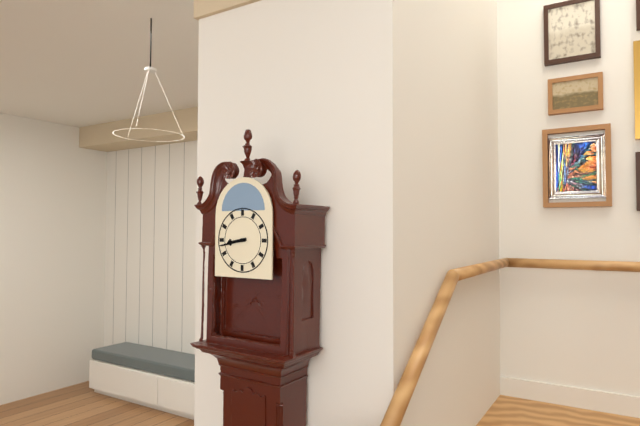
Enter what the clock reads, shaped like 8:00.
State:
8:43
